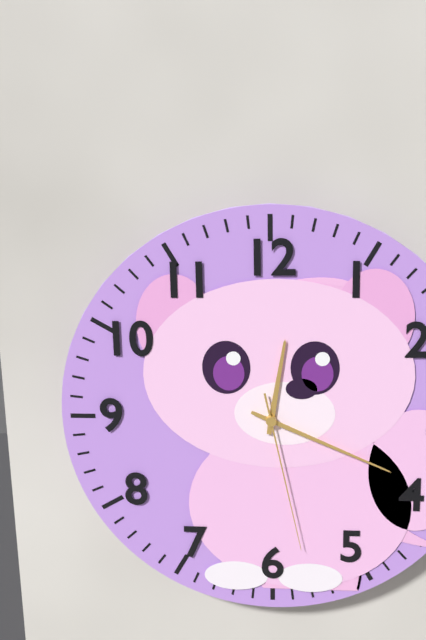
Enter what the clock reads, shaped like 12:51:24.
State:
12:19:28
